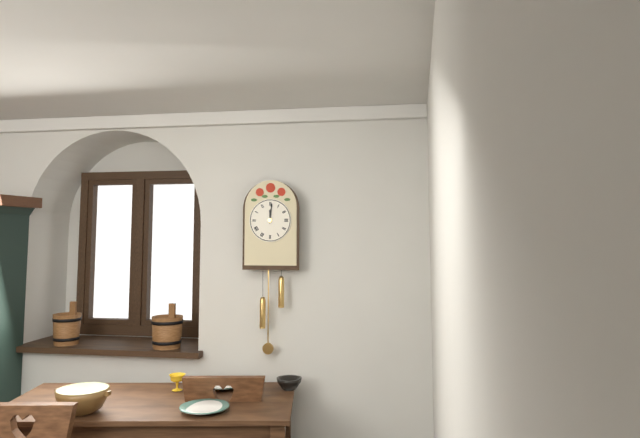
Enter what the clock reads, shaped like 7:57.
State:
12:01
